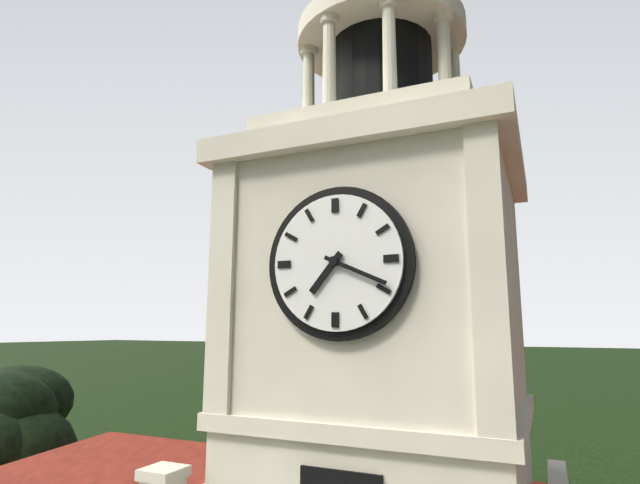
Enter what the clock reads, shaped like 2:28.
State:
7:19
